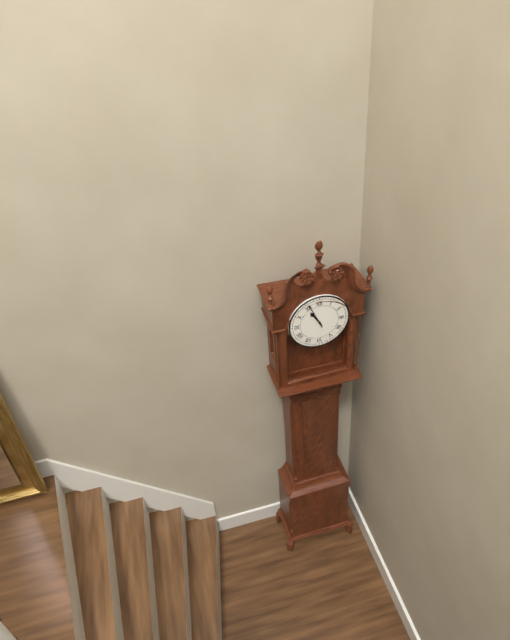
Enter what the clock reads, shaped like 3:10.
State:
10:56
